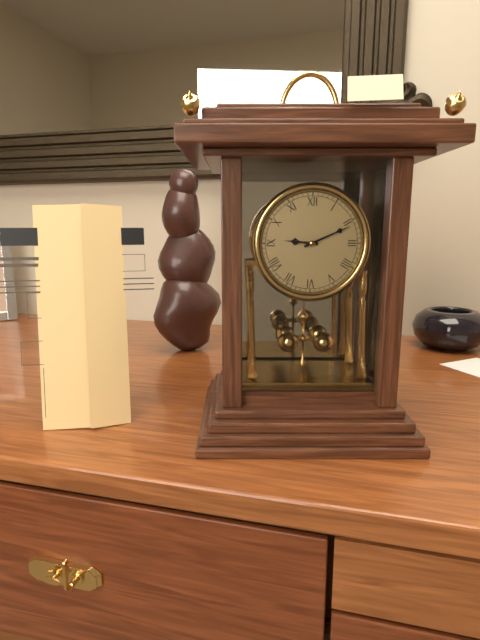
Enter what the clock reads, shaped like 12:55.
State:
9:11
